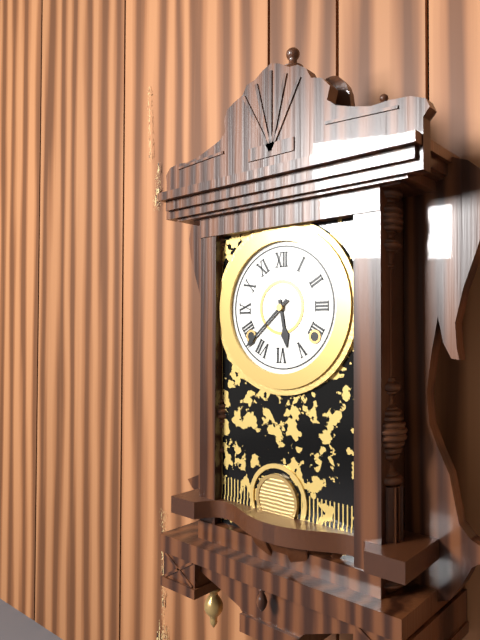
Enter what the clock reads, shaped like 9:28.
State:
5:38
